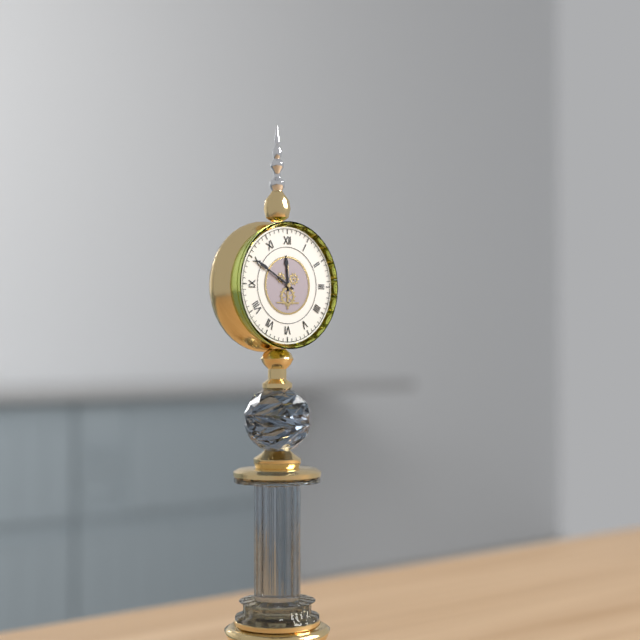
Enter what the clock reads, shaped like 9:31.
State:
11:50
